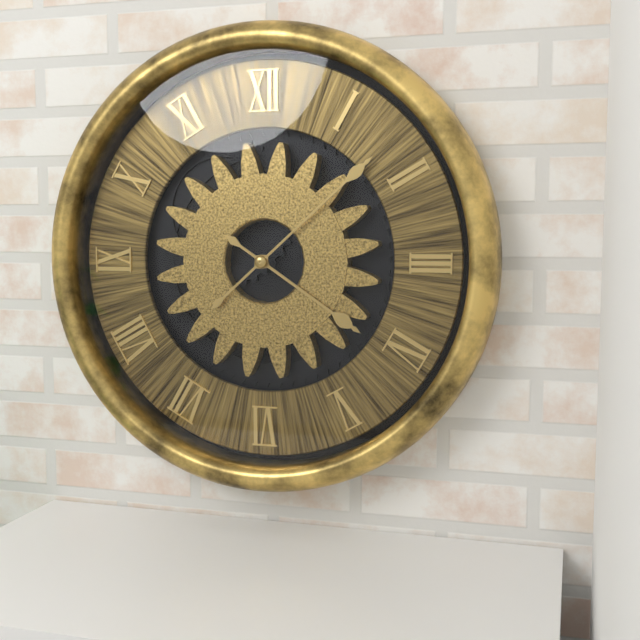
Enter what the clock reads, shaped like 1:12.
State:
4:08
